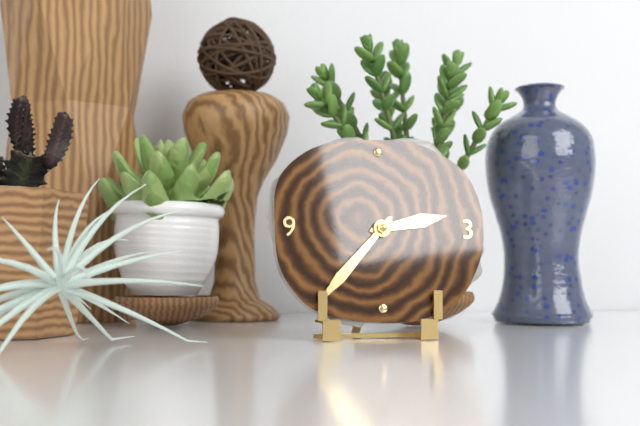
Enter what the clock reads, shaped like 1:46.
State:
2:37
